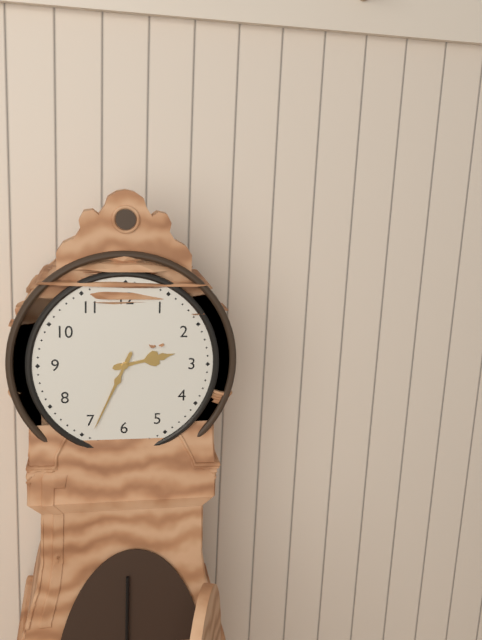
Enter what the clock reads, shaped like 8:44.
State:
2:34
